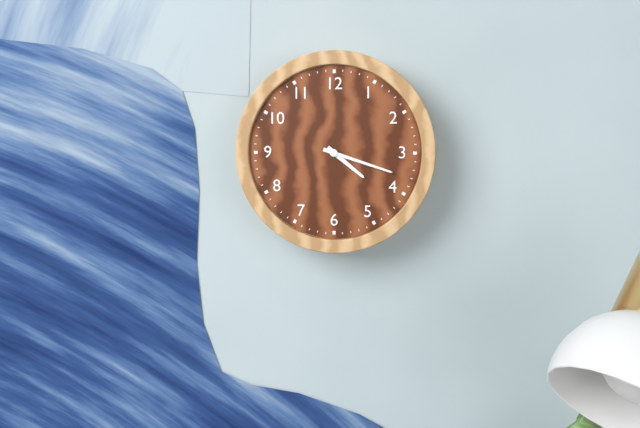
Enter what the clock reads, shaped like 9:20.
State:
4:18
